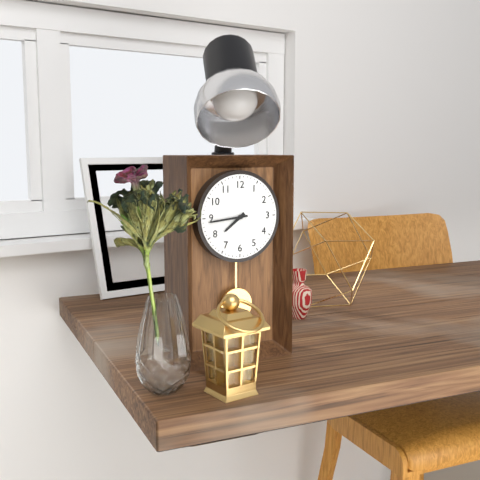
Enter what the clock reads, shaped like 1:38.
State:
7:44
